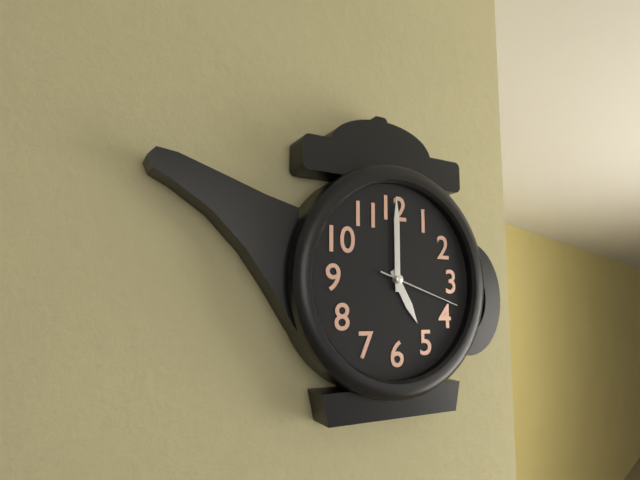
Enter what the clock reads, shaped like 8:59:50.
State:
5:00:18
